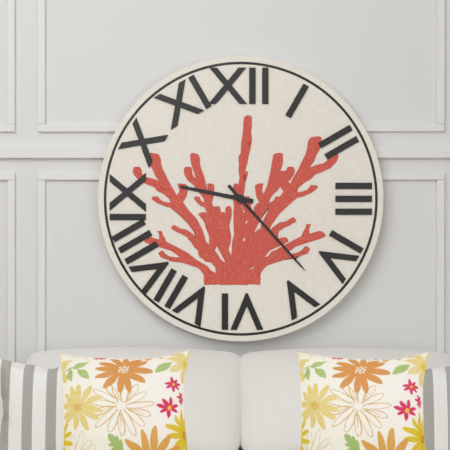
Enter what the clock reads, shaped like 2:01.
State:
9:23
